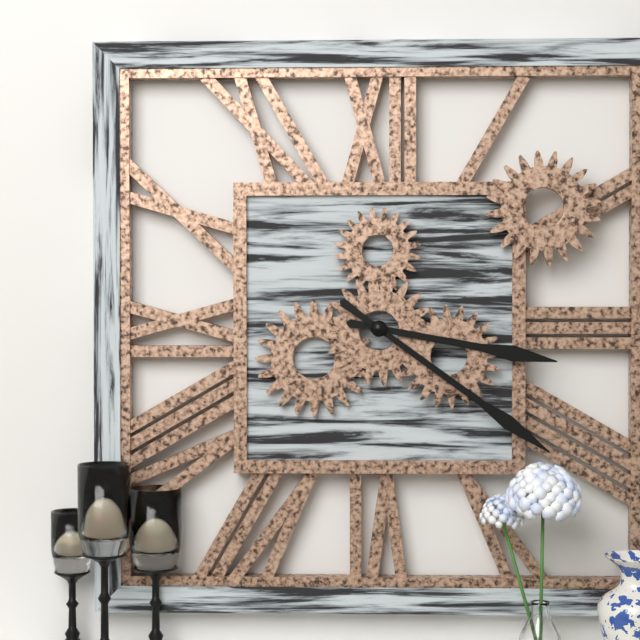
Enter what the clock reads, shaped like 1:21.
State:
3:21
